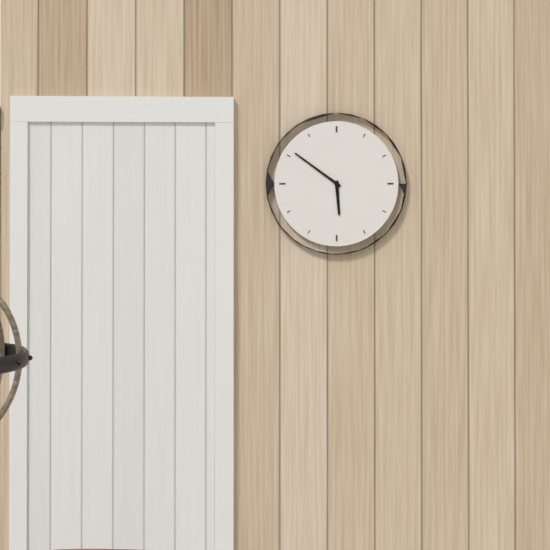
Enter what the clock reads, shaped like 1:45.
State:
5:51
